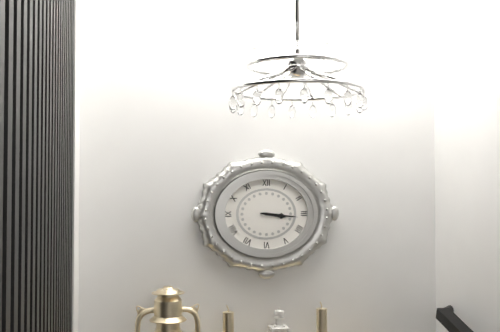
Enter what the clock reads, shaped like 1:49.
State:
3:16
